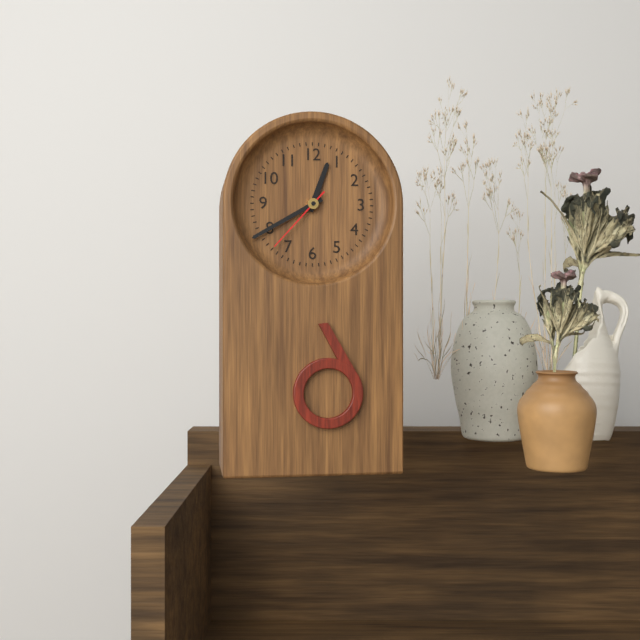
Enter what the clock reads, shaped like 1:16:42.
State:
12:40:37
